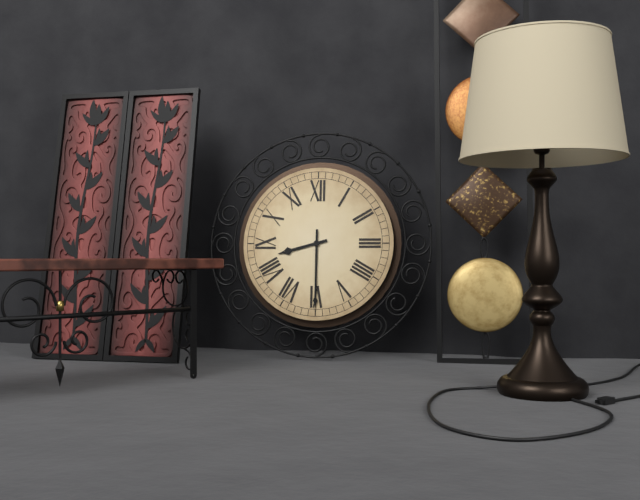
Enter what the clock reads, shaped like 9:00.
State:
8:30
